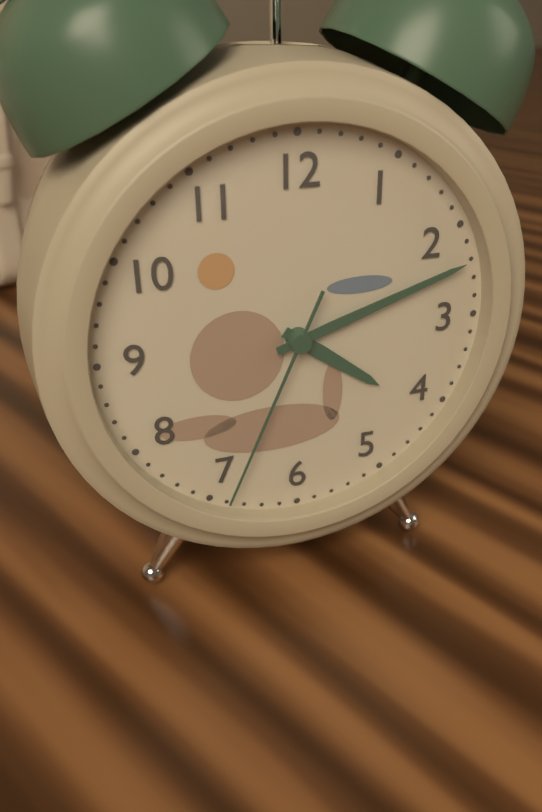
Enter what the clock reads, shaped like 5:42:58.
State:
4:12:34
